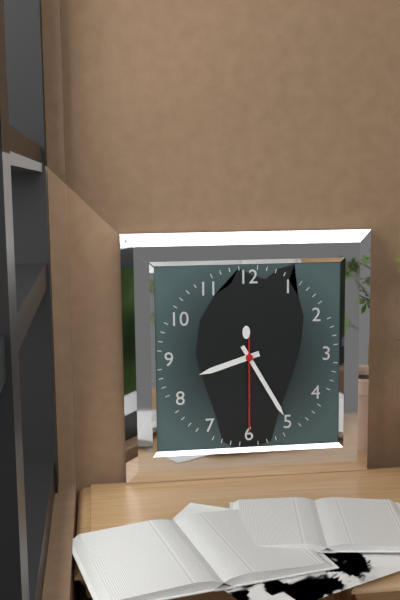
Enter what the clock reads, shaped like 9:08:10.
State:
8:25:30
